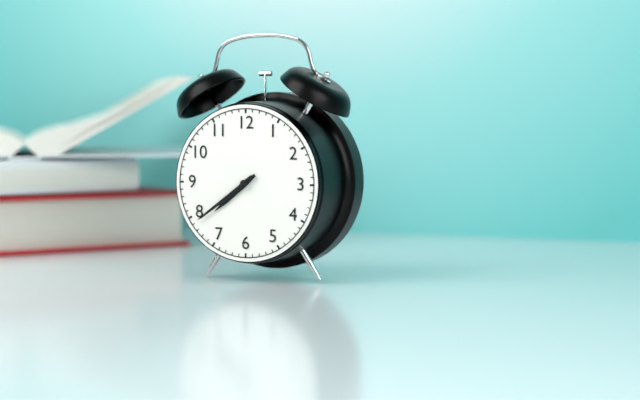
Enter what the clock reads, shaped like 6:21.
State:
7:39
